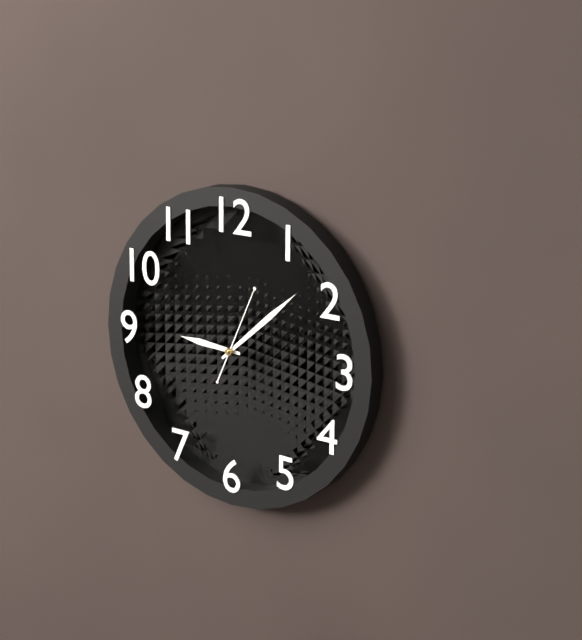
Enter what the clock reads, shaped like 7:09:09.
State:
9:08:04
